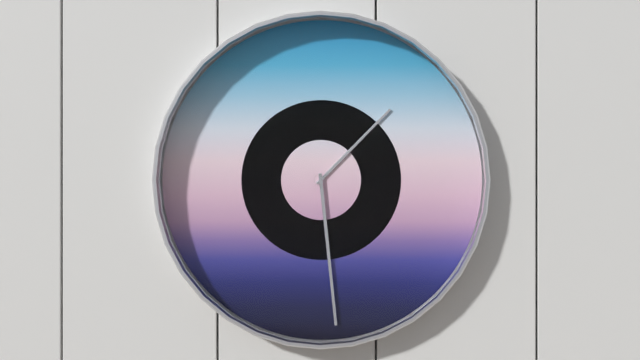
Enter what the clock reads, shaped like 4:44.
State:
1:29
